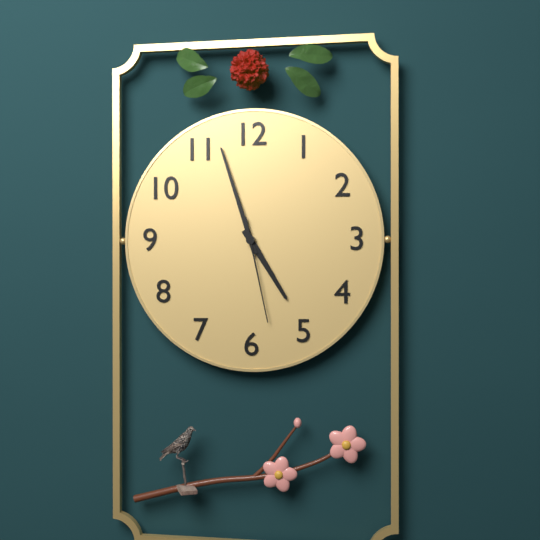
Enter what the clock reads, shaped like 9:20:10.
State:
4:57:28
